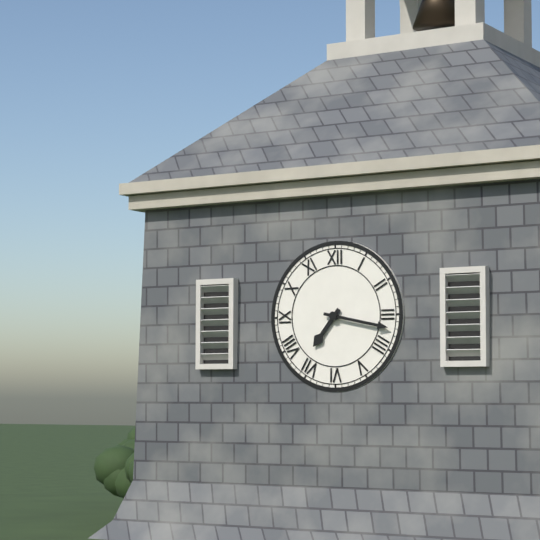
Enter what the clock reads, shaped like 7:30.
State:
7:17
